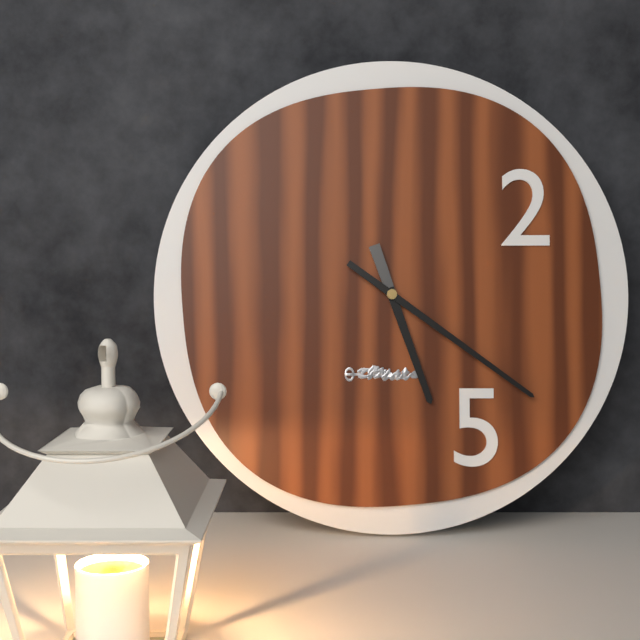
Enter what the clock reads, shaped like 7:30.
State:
5:21
